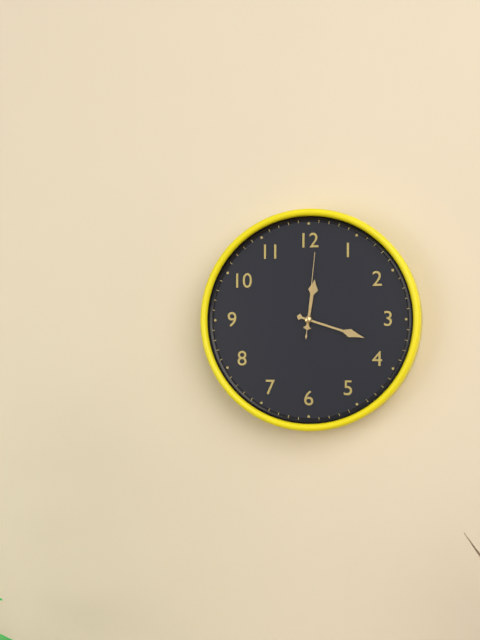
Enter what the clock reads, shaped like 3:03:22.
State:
12:18:01
